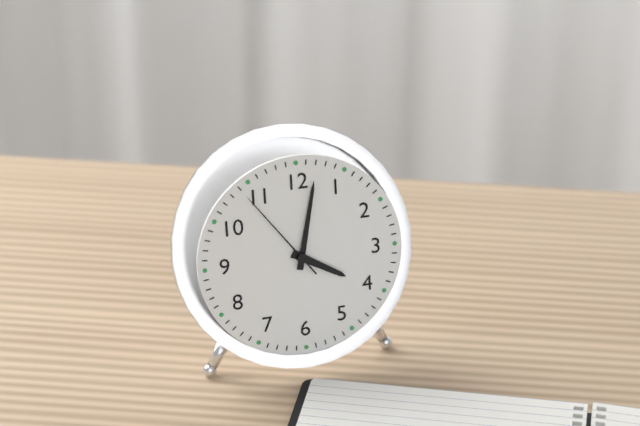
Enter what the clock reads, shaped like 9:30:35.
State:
4:02:54
